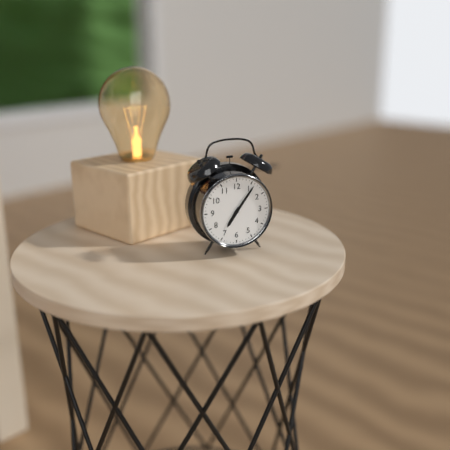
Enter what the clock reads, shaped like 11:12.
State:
7:06
